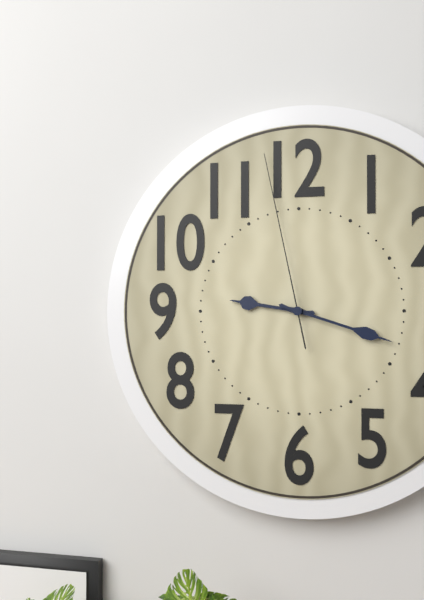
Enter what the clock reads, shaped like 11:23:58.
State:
9:18:58
